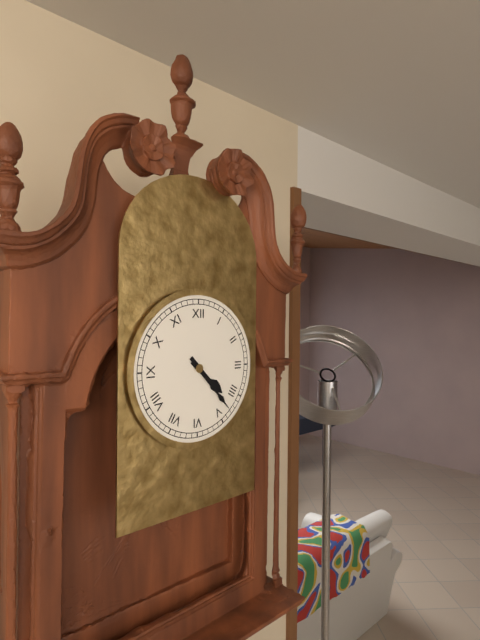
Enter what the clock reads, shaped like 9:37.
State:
4:23
